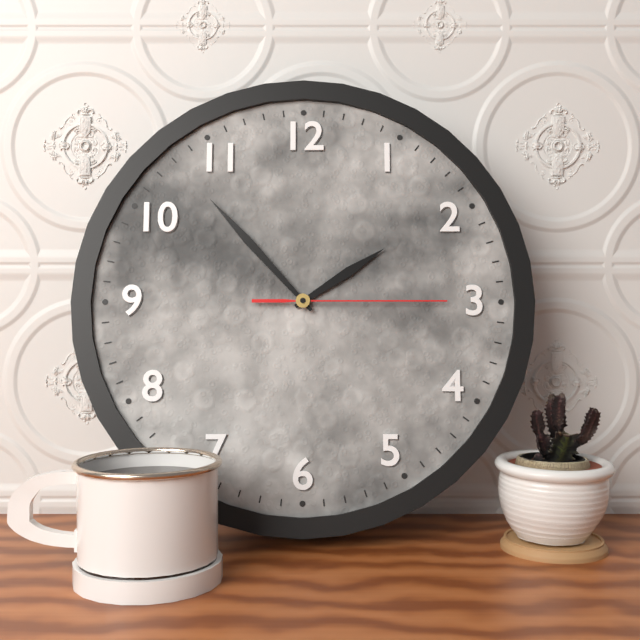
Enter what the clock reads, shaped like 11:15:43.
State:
1:53:15
